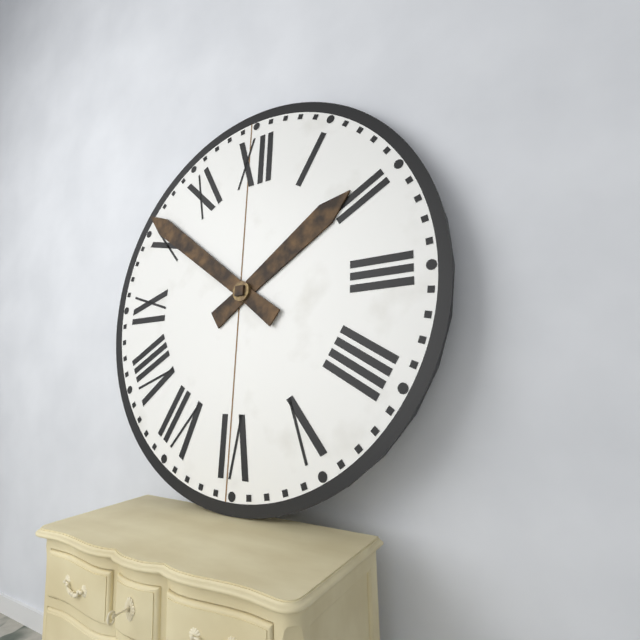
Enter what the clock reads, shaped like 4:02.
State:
1:51
